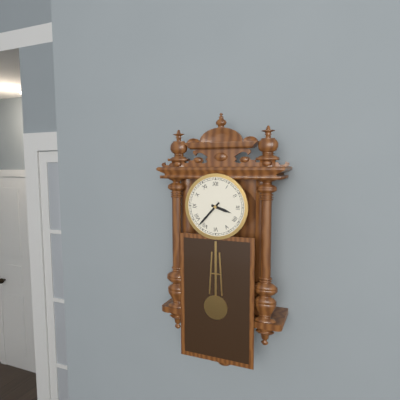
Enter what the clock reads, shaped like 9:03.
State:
3:37
